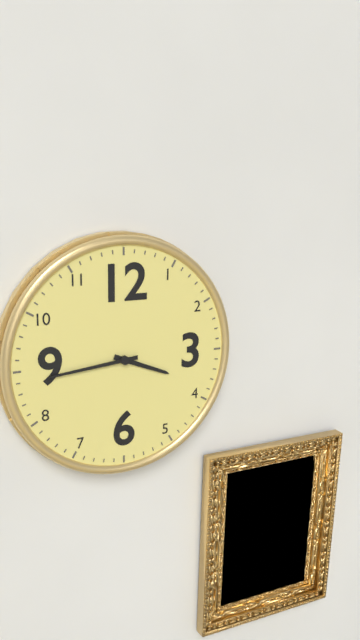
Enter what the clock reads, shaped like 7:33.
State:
3:44
